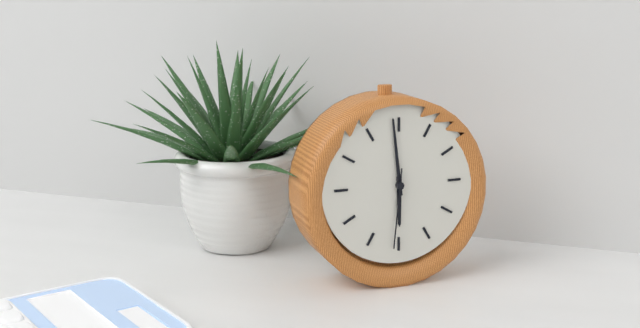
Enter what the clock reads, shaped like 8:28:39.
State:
5:59:31
